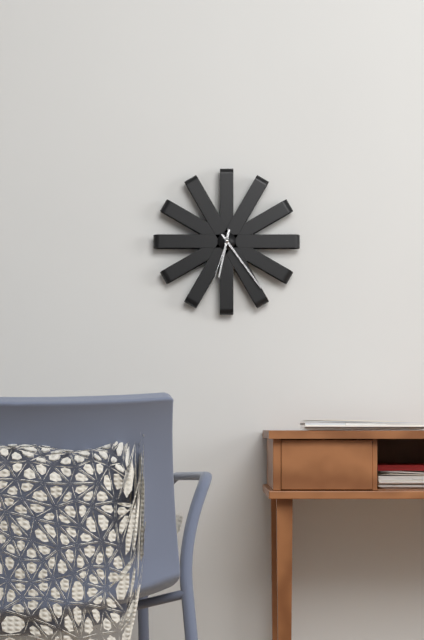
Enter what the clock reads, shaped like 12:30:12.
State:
6:24:33
